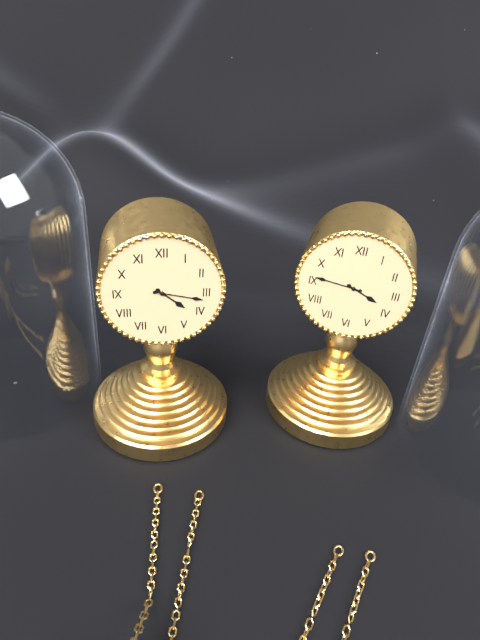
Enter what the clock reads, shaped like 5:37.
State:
4:17
